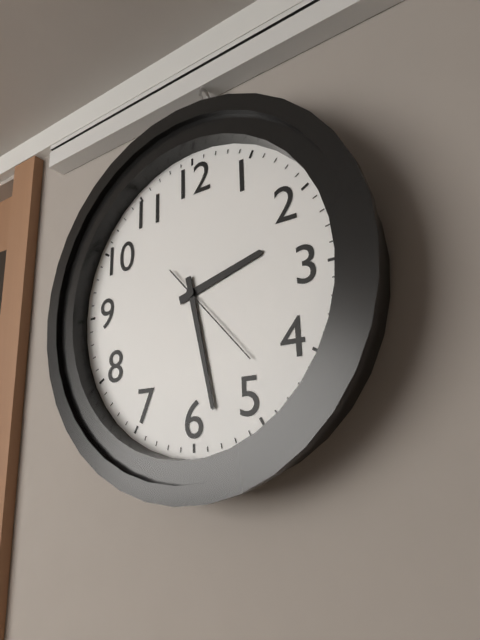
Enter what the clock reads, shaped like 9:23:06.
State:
2:28:23
